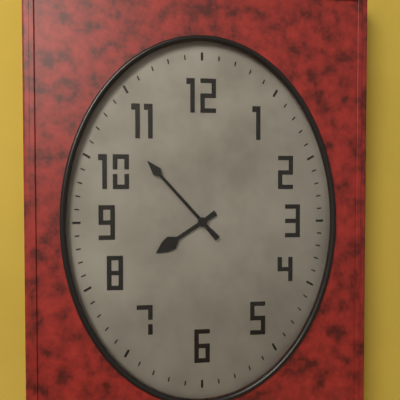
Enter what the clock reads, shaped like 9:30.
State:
7:53
